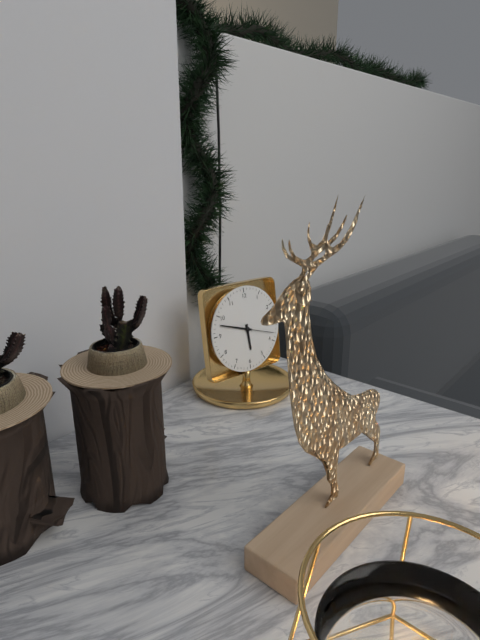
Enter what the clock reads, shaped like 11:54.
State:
5:48
